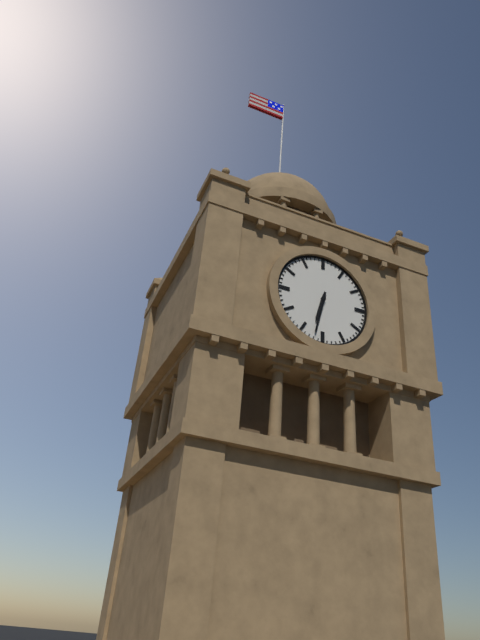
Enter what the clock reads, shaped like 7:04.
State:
6:32
